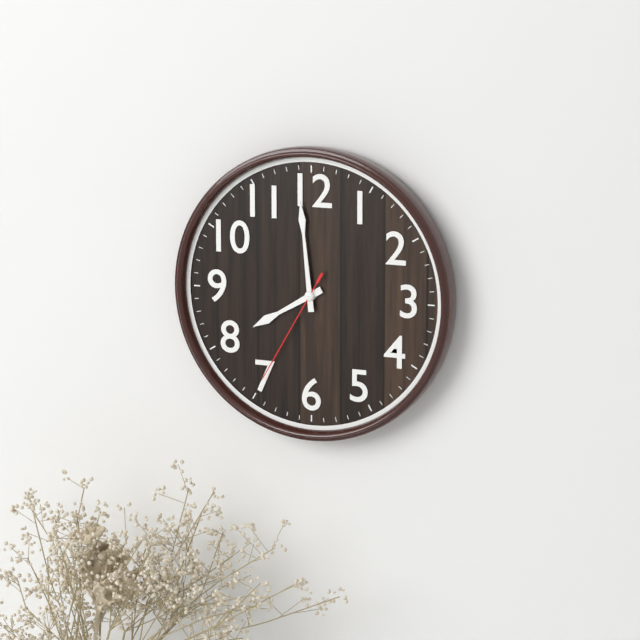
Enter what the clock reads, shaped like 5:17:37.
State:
7:59:35
